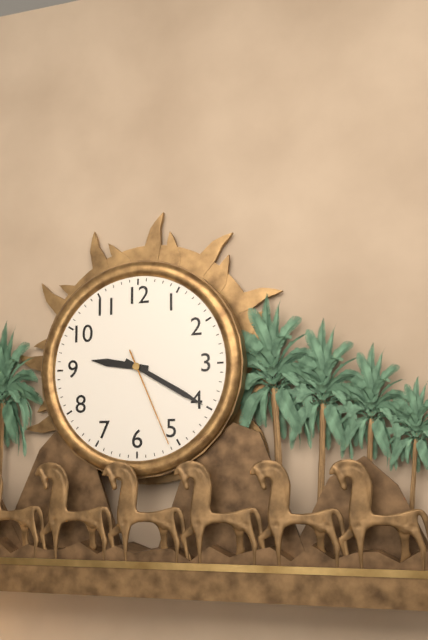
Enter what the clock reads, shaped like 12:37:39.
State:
9:20:26
